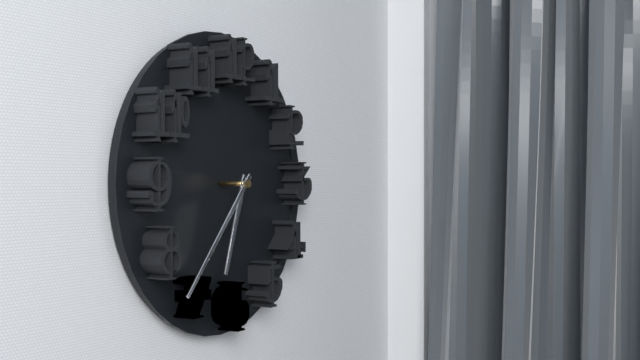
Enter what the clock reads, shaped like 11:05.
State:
6:37
